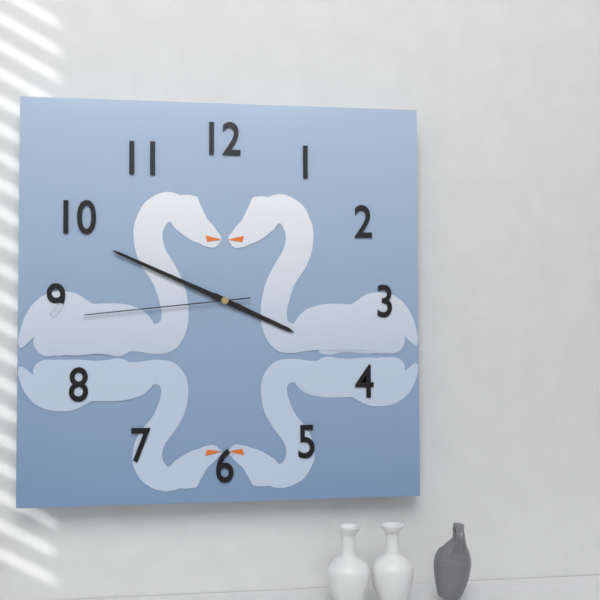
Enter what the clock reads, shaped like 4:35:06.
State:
3:49:44
